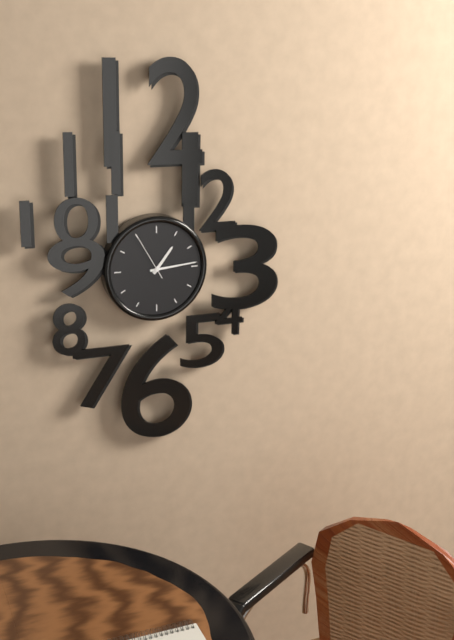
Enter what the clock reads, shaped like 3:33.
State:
1:14
